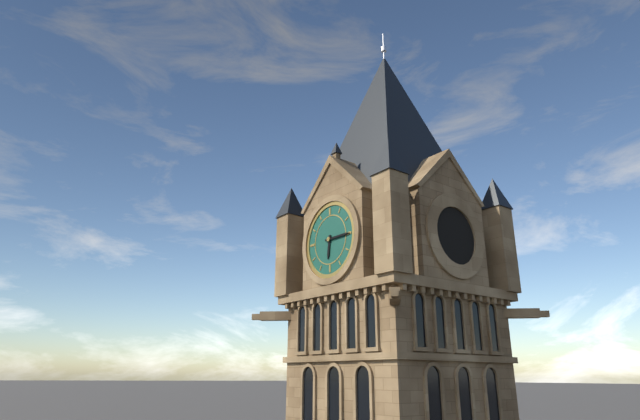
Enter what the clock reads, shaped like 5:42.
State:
6:15
